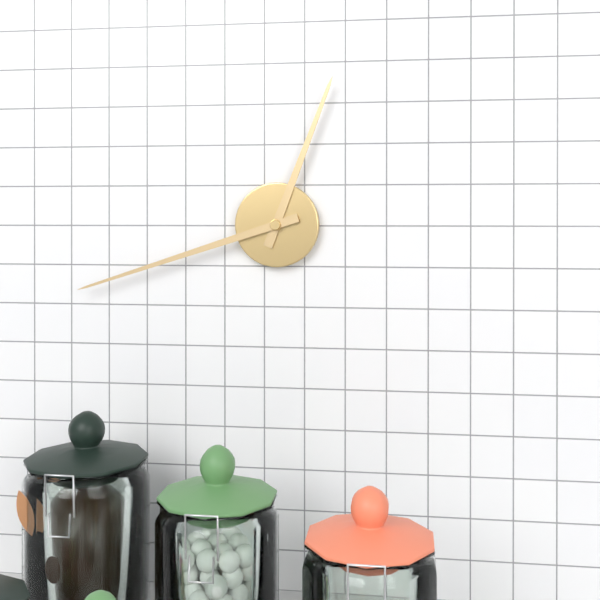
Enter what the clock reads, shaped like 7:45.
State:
12:42
